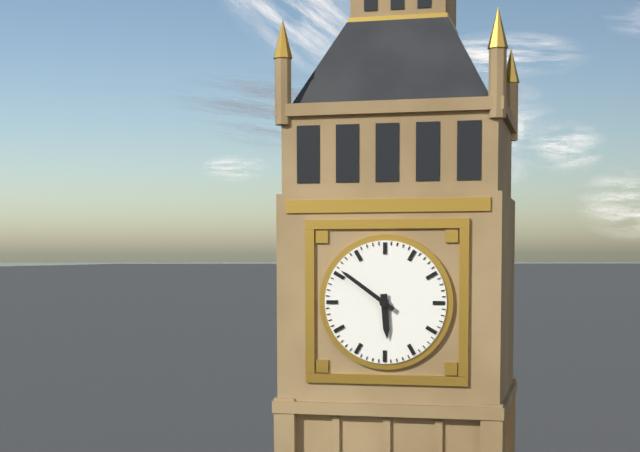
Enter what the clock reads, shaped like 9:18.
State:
5:51
